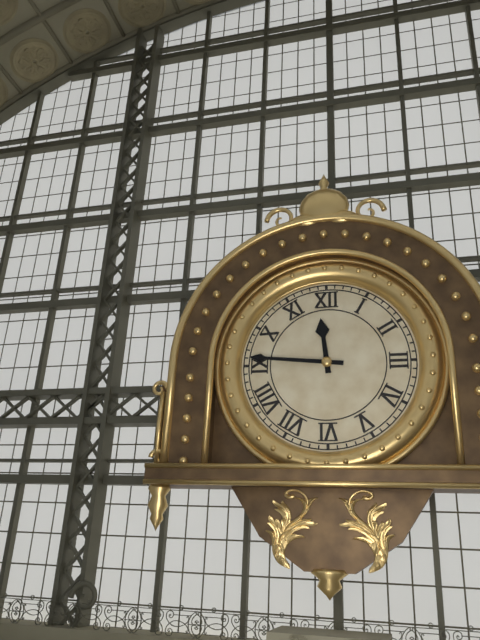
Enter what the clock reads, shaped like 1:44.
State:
11:46
